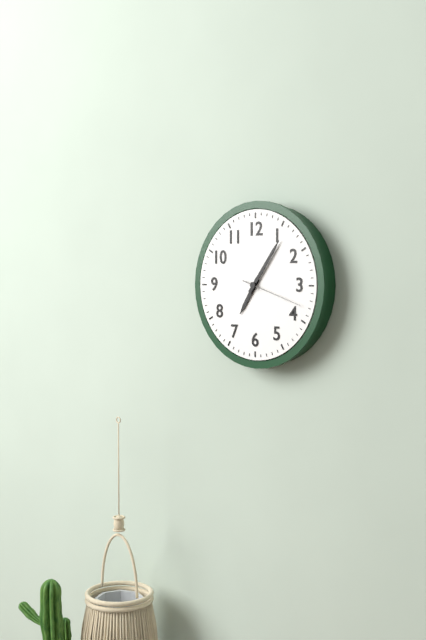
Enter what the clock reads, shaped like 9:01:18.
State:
7:06:18
